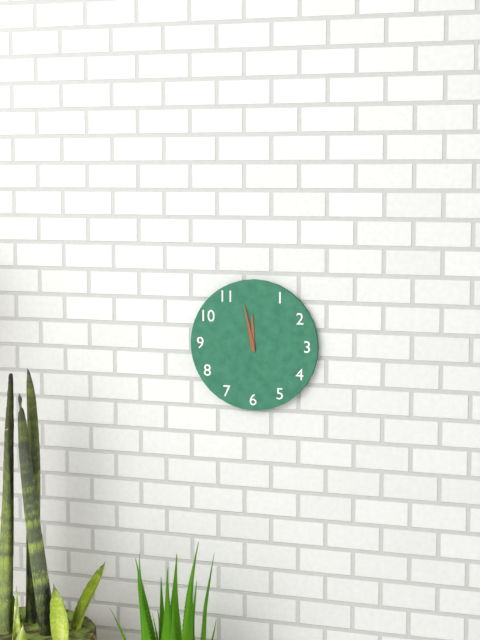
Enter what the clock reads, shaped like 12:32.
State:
11:58
